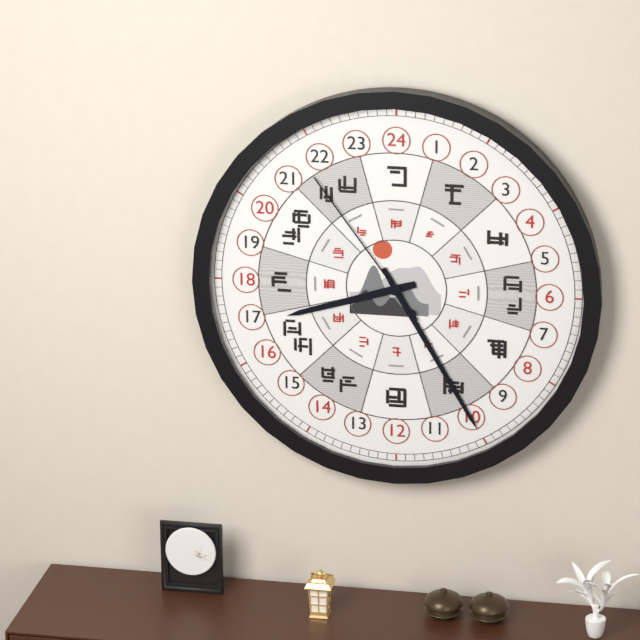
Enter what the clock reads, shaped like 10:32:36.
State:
8:25:54
